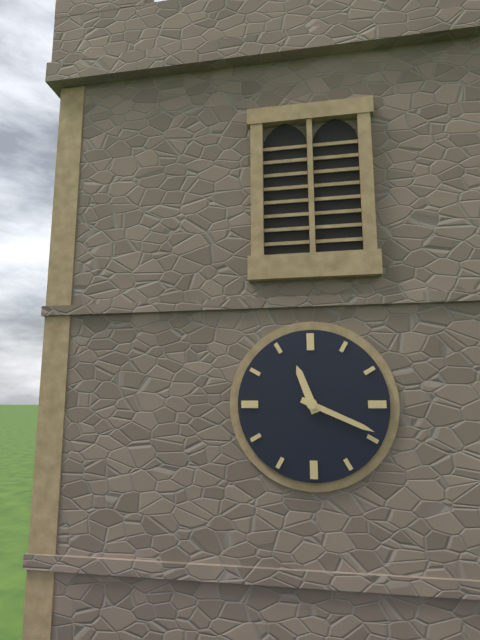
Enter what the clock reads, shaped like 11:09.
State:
11:19
